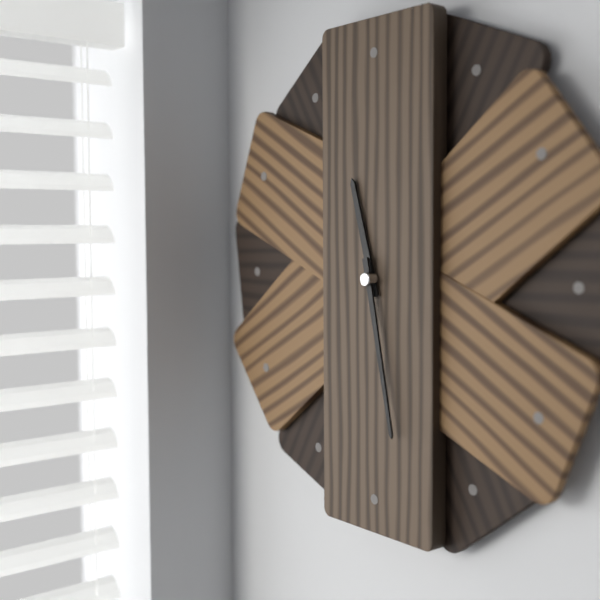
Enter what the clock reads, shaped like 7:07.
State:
11:28
